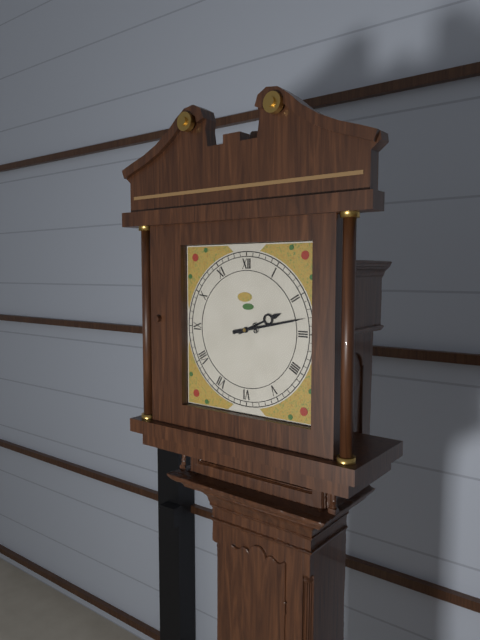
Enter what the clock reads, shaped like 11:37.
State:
2:13
